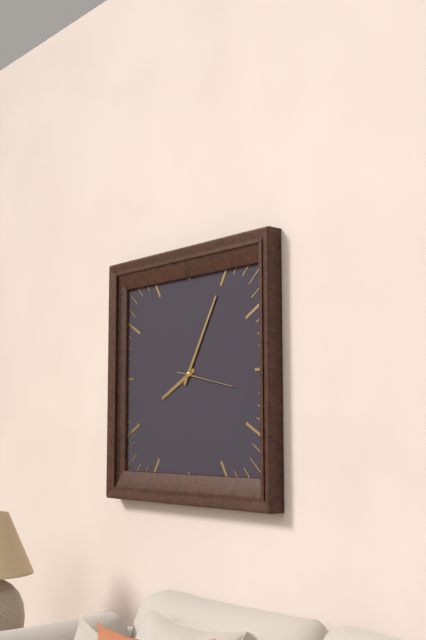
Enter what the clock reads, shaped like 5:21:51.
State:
8:05:17
